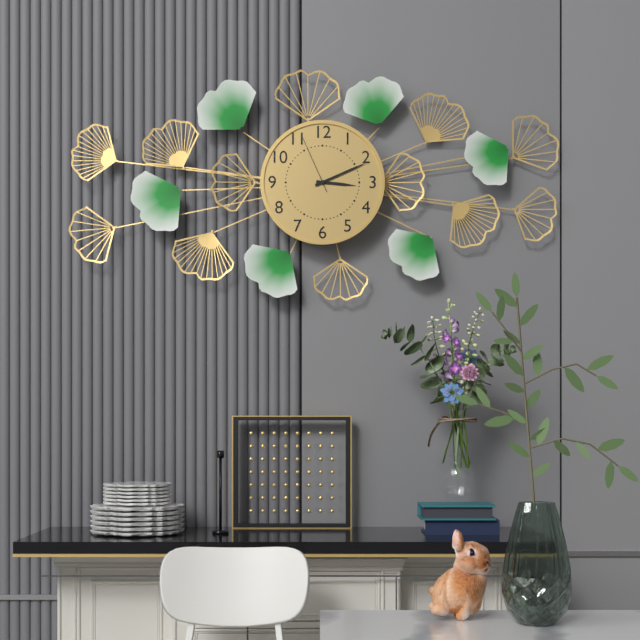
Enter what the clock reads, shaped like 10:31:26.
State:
3:11:56
